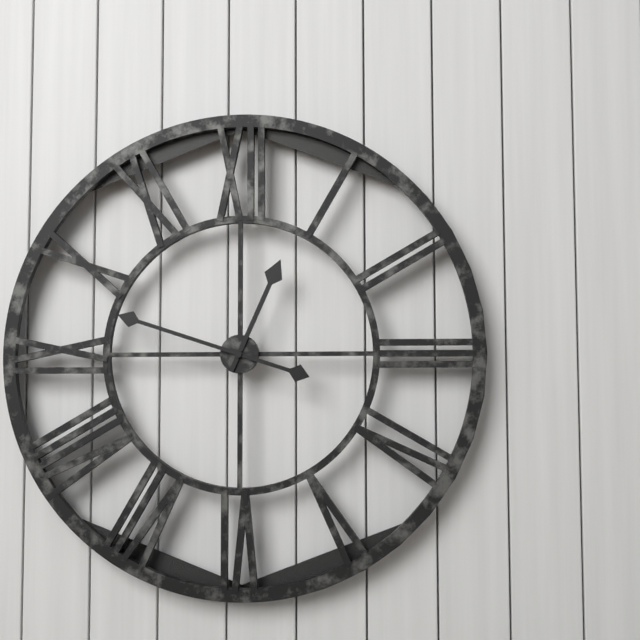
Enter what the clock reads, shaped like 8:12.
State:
12:48
